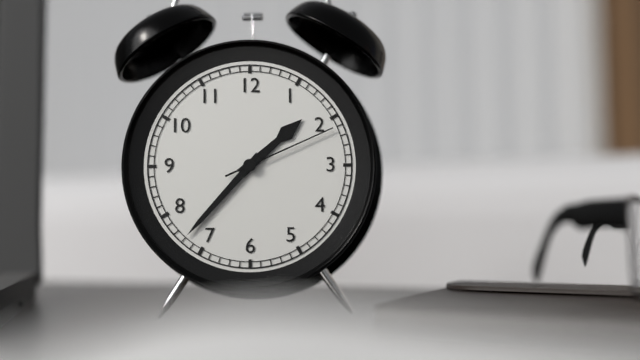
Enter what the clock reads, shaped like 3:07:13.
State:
1:37:11
